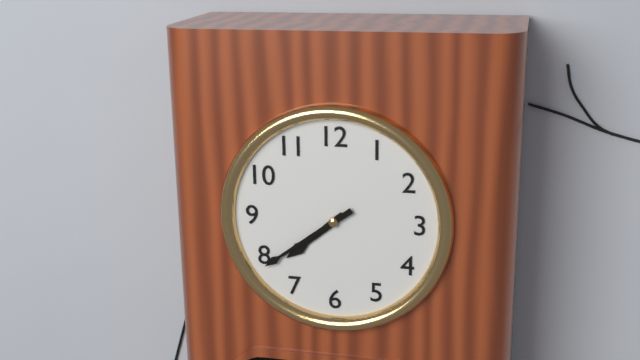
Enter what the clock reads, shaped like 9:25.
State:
7:39
